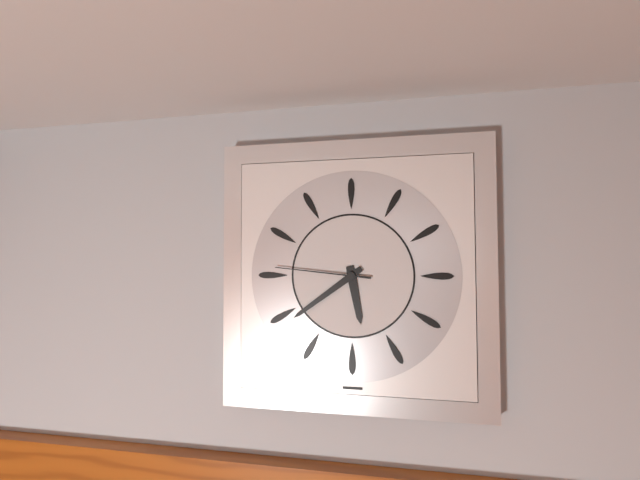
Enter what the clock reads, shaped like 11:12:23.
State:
5:39:46
